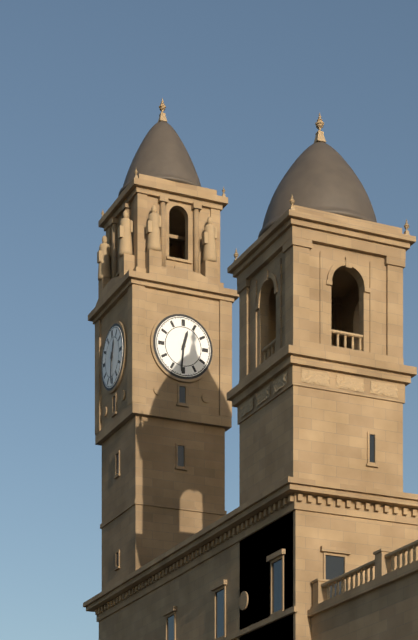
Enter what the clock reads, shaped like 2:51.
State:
12:31
